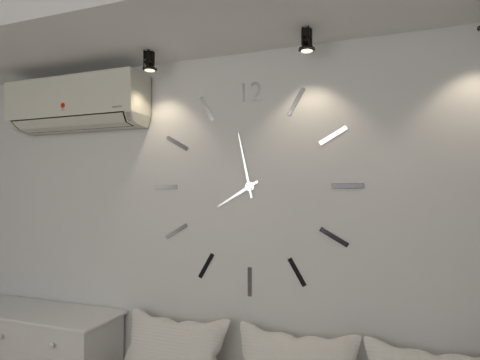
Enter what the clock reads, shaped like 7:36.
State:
7:58
